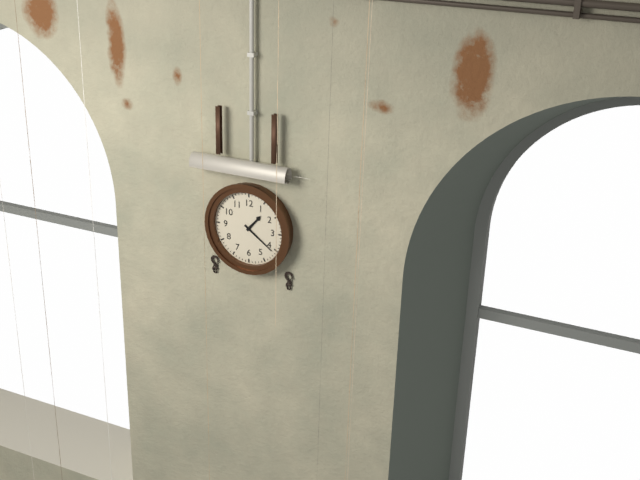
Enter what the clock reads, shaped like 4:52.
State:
1:21
